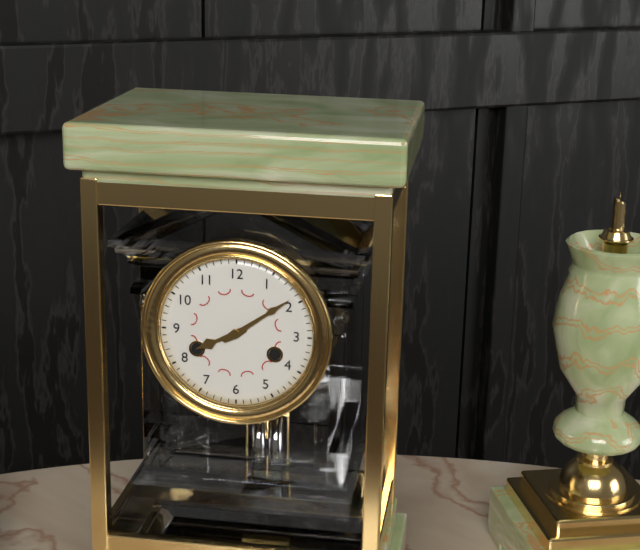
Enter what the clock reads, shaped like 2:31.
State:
8:09
